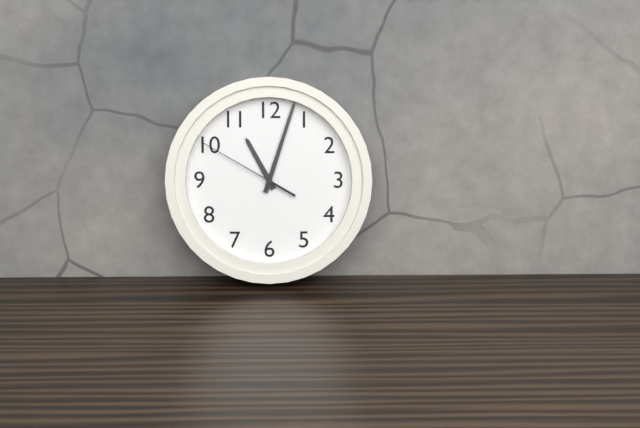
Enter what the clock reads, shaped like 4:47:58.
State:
11:03:50
